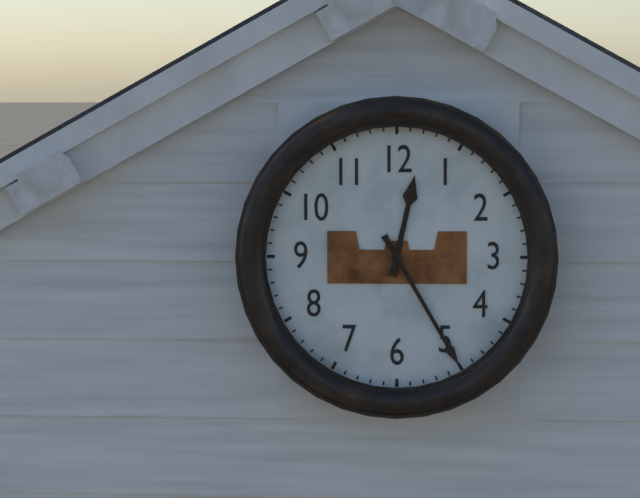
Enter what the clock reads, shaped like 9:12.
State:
12:25
